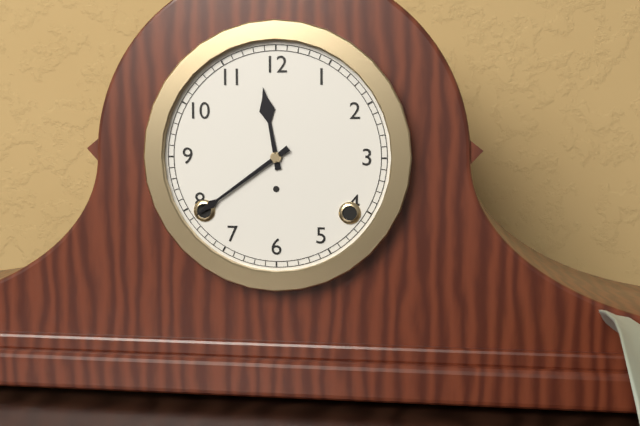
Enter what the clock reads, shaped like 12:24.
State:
11:39
